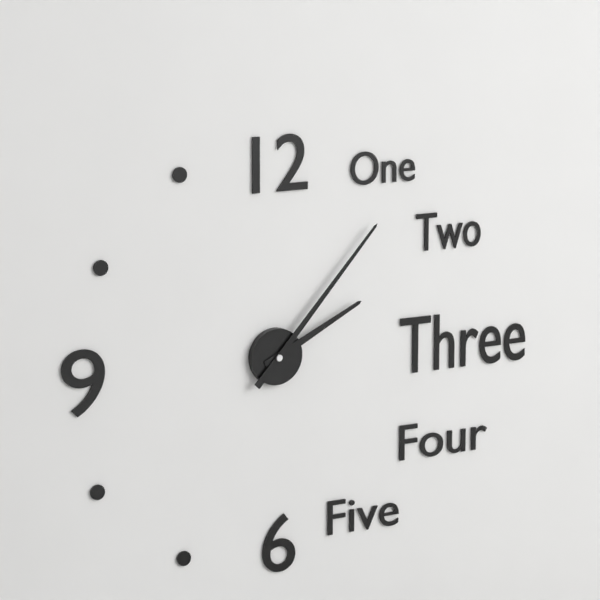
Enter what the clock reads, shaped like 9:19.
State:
2:07
